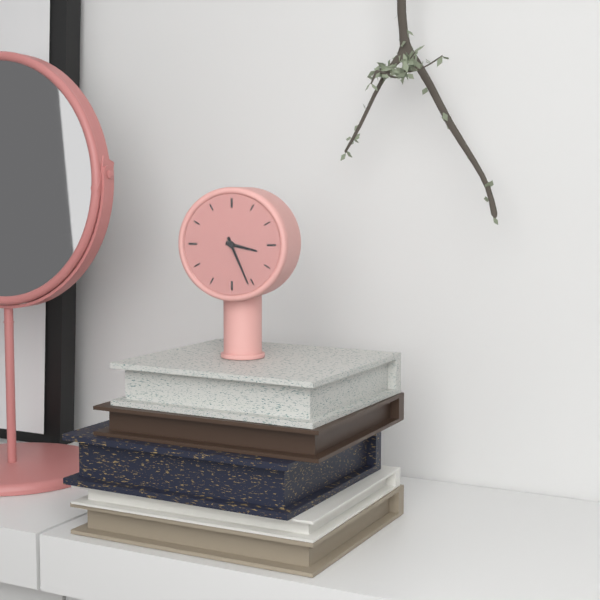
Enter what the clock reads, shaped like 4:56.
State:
3:26
